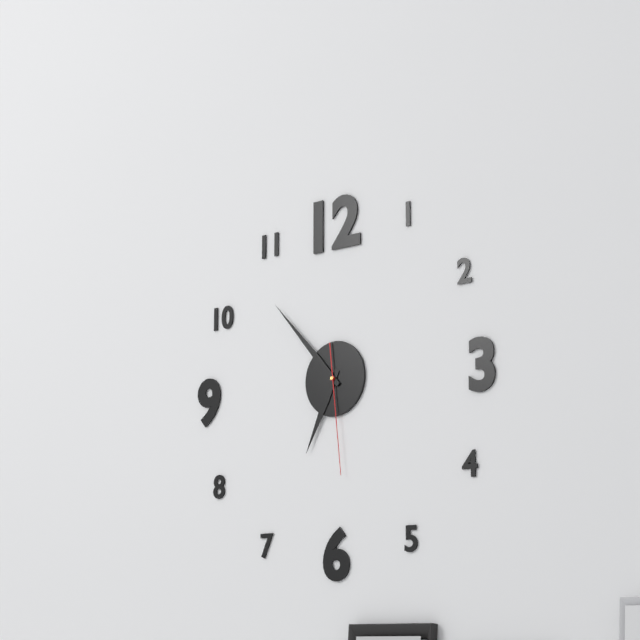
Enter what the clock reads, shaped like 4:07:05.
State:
6:53:29
